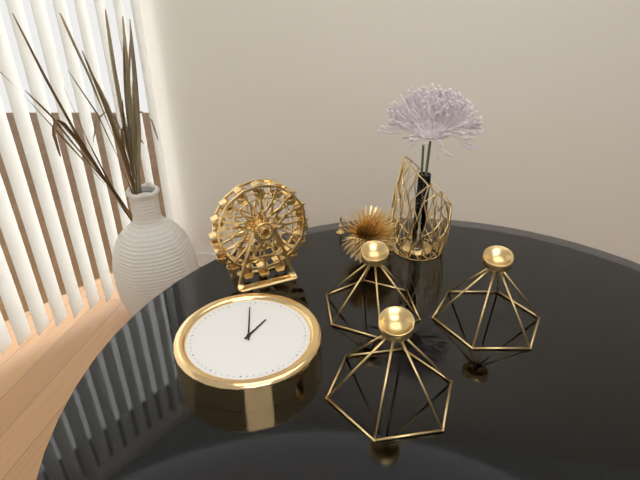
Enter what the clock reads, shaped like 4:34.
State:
12:59
